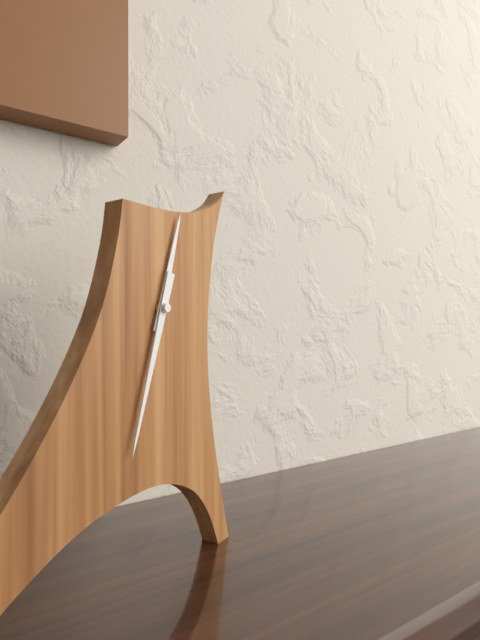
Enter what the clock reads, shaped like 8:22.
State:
12:33
